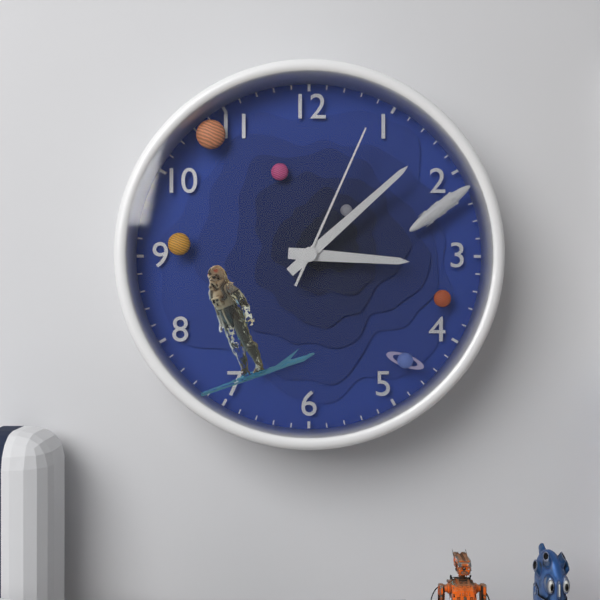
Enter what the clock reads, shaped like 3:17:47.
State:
3:08:04
